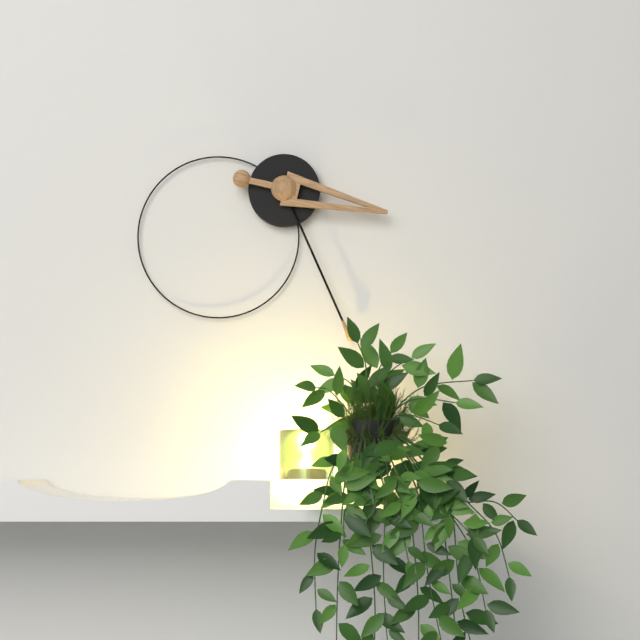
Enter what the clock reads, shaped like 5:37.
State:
3:26
